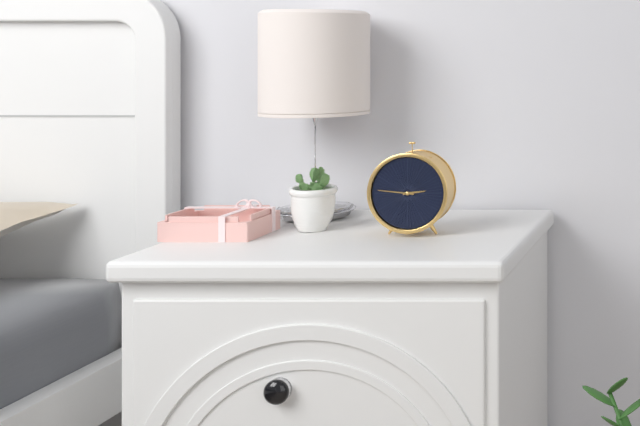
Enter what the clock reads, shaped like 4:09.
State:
2:46
